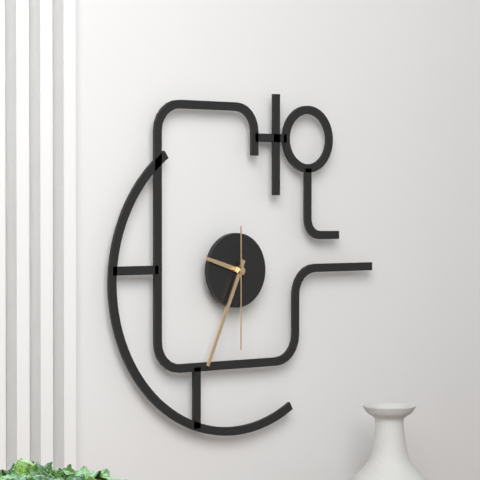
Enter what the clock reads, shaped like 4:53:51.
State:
9:34:30
